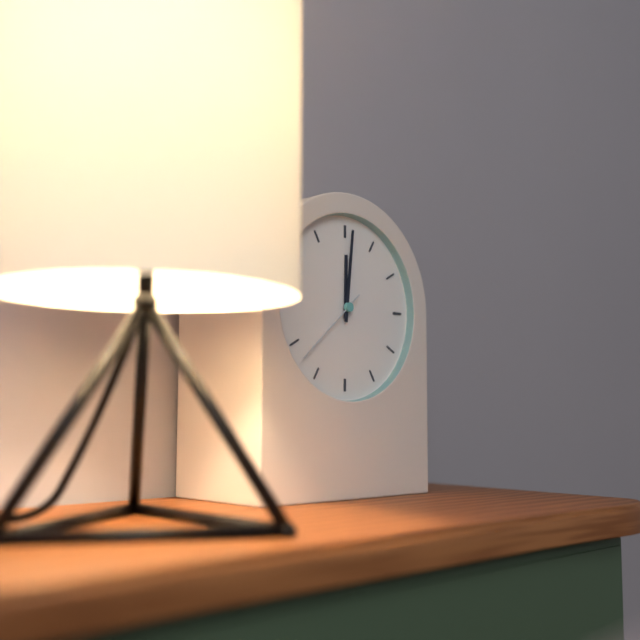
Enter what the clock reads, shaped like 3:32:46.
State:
12:01:38
